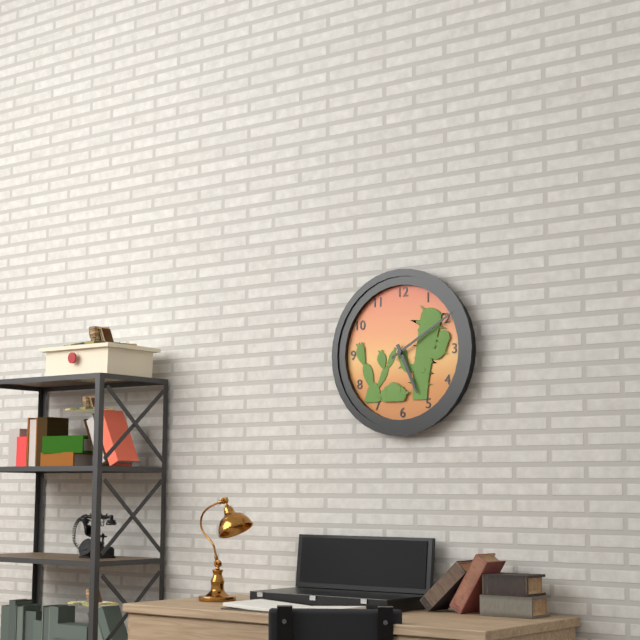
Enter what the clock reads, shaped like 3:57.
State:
5:10
